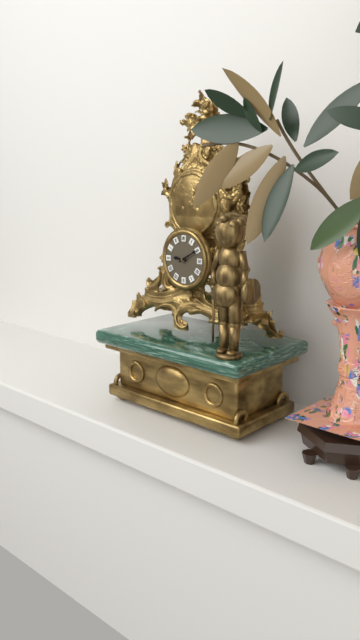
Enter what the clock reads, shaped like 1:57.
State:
9:10
